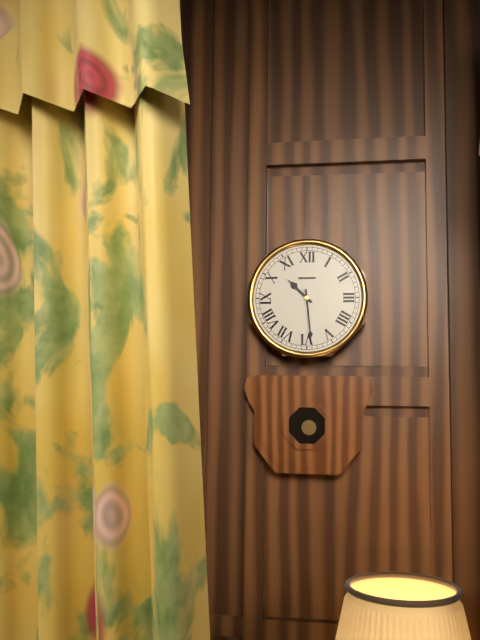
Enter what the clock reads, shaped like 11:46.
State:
10:29
